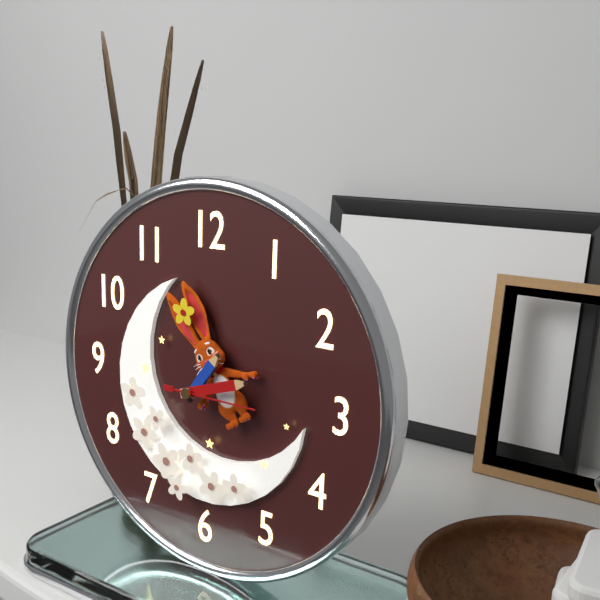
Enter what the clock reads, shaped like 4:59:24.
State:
1:12:15
